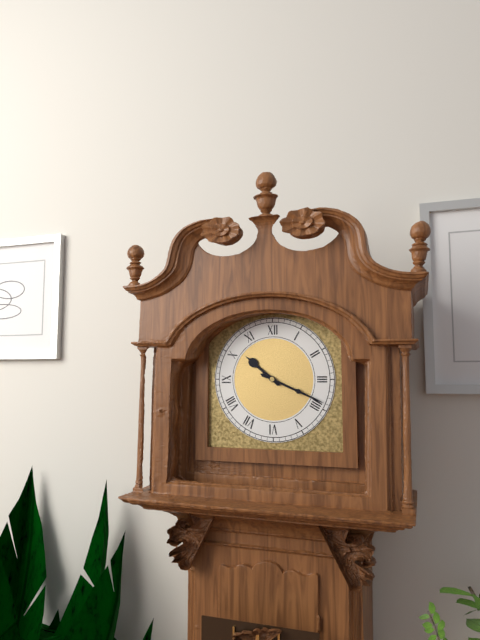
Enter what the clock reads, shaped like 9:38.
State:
10:19
